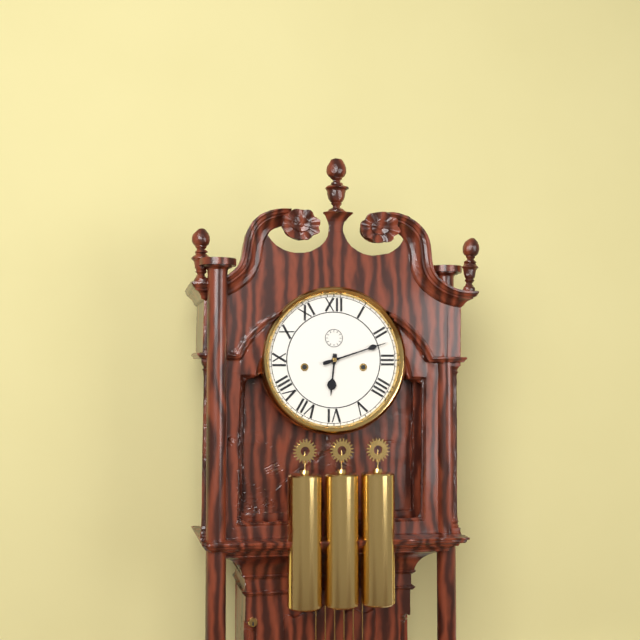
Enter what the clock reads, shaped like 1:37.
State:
6:12
